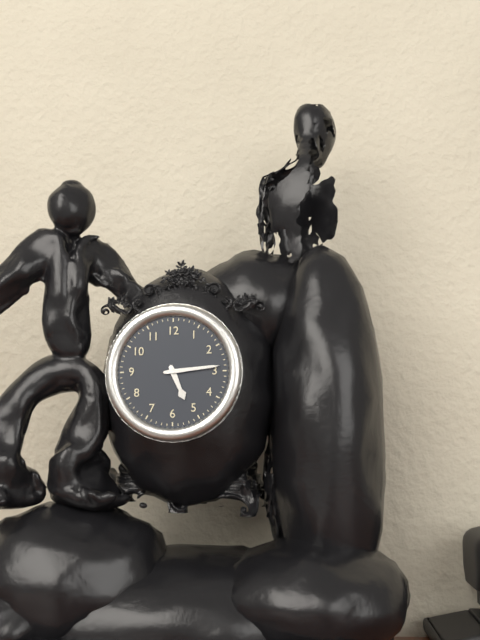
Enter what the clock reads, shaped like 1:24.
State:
5:14
